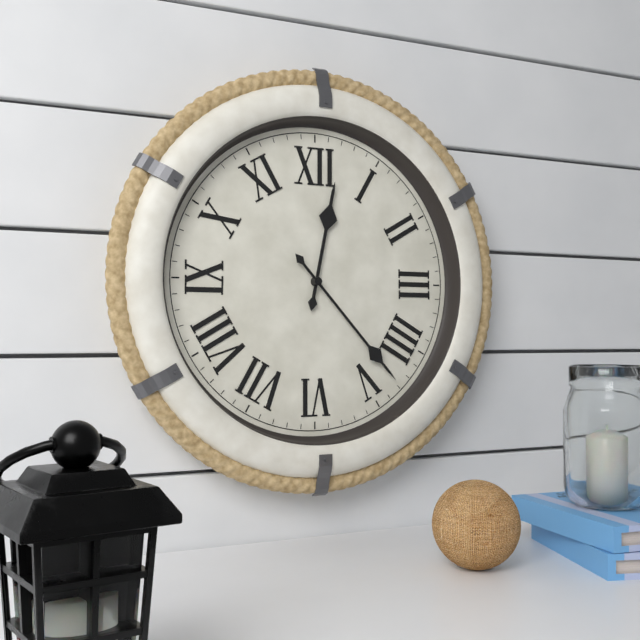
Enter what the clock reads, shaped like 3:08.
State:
12:23
